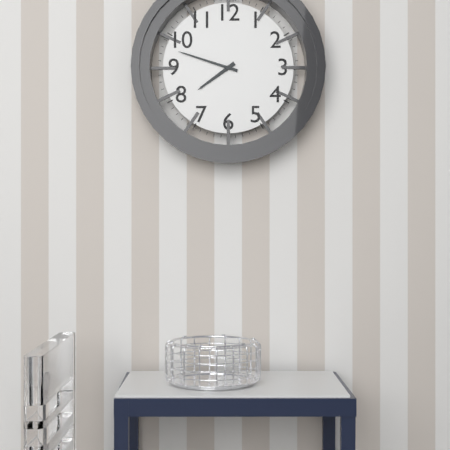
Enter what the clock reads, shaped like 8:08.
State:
7:48
